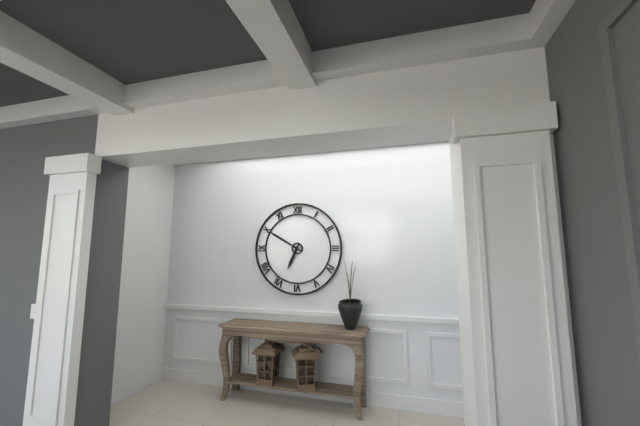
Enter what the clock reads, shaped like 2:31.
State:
6:50
